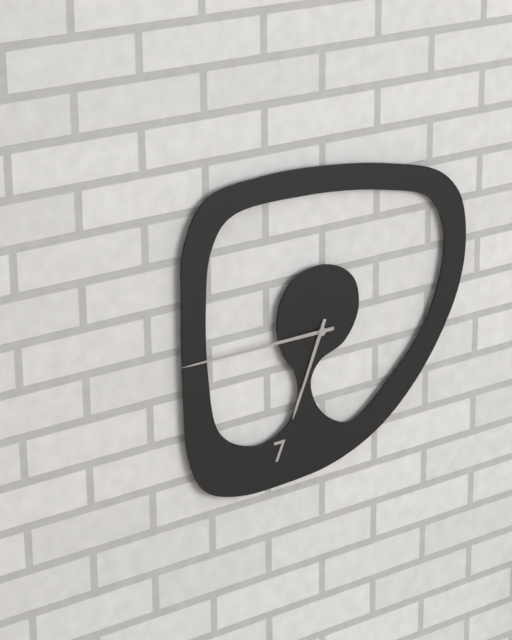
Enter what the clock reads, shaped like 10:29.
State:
6:45
